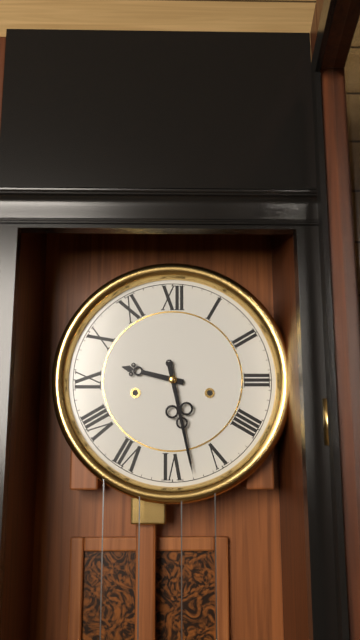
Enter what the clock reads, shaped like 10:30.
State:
9:28
